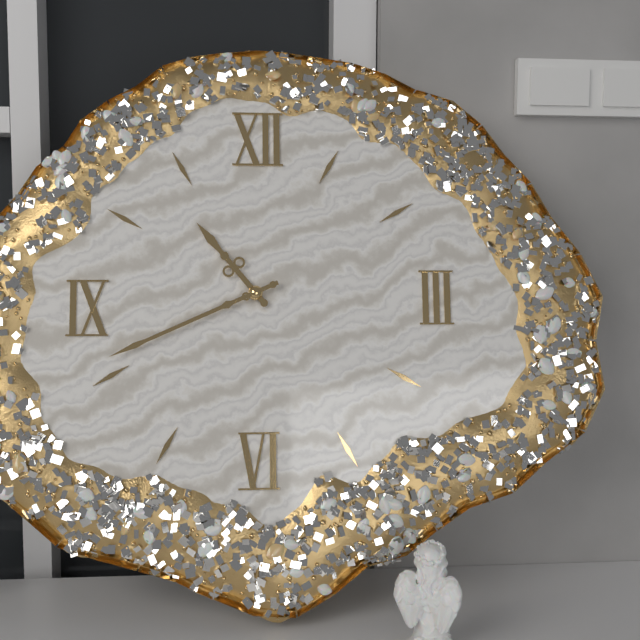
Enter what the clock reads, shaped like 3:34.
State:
10:41
